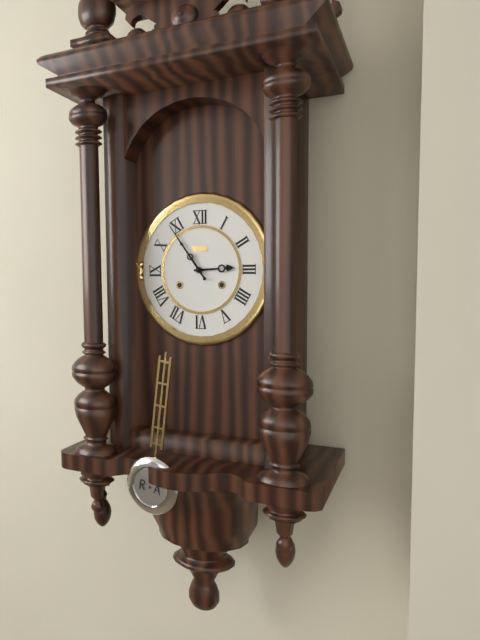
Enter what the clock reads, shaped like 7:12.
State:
2:54
